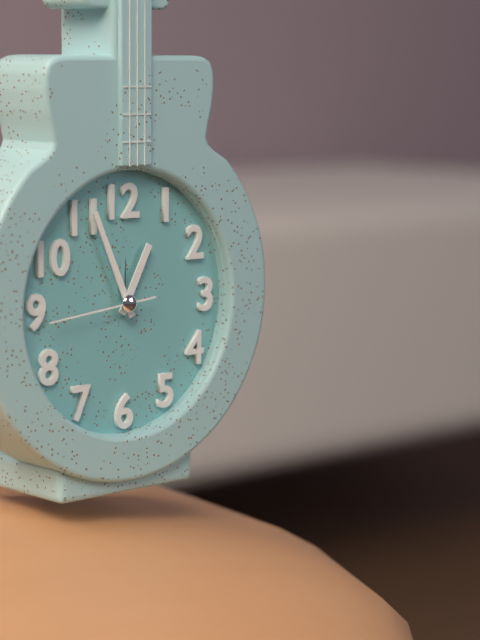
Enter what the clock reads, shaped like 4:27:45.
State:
12:56:44
